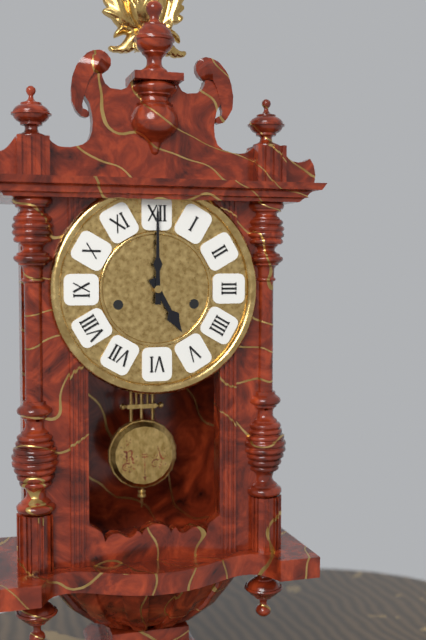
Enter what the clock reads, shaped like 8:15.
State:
5:00
